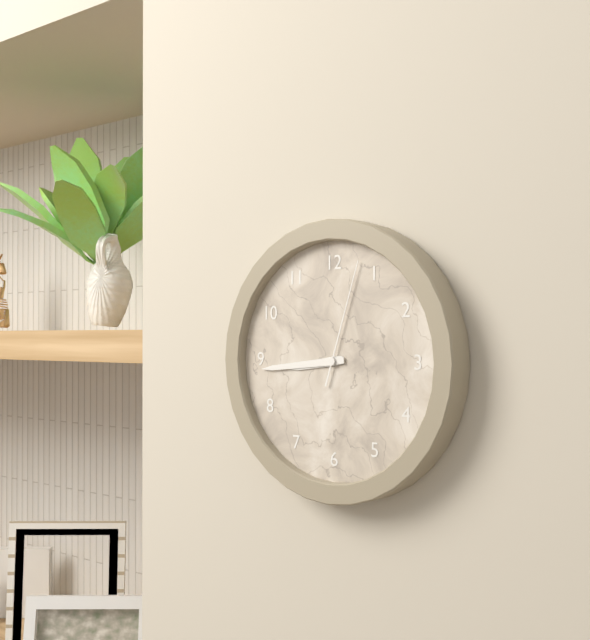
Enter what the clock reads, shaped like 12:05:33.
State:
8:44:03
